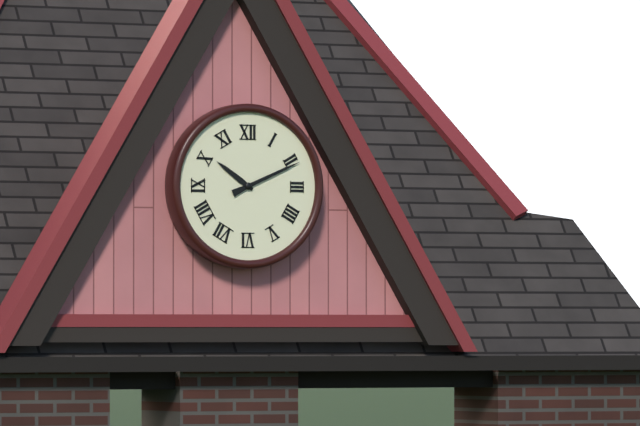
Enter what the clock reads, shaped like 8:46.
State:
10:11
